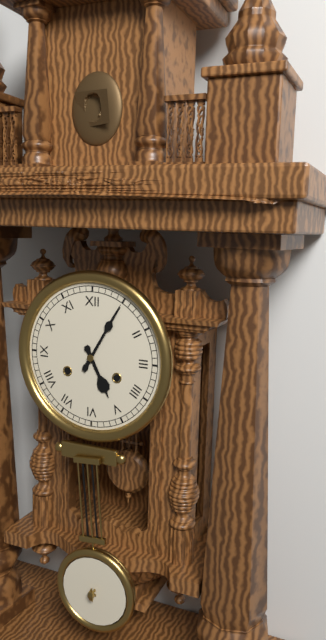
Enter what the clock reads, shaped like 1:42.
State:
5:05
